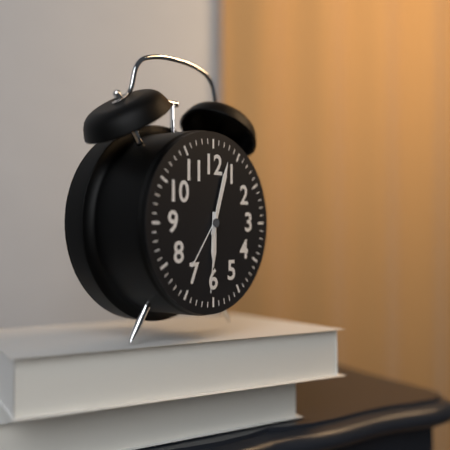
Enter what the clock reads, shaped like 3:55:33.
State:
6:03:31
